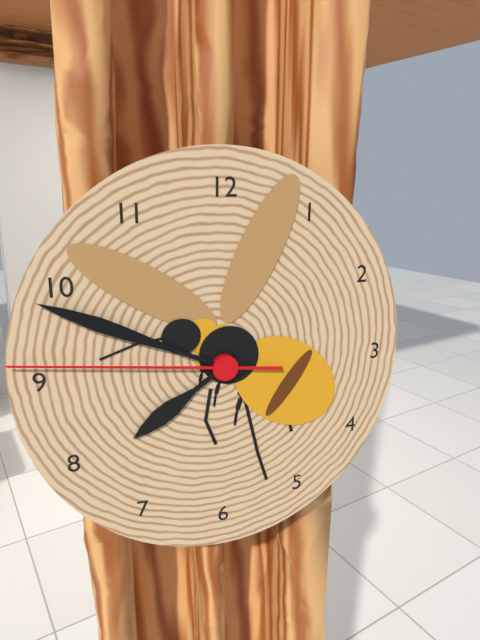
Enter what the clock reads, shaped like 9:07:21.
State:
7:49:46
